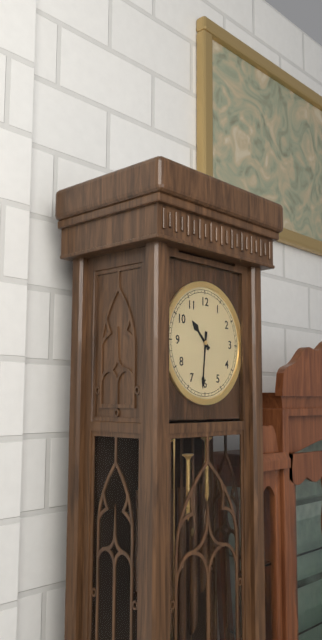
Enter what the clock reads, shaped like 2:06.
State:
10:31
